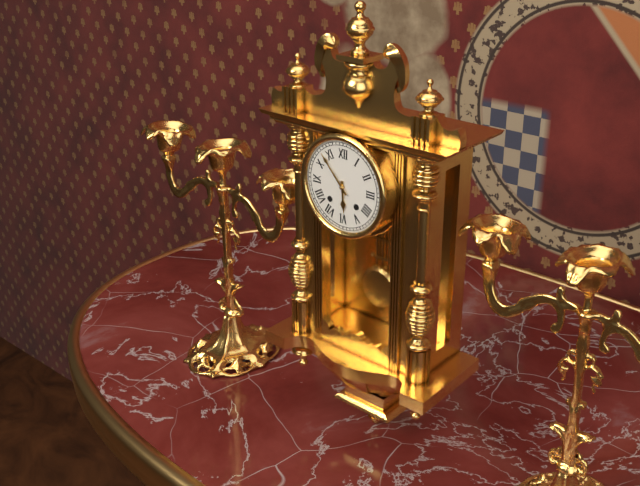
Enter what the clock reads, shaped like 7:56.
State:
5:53
